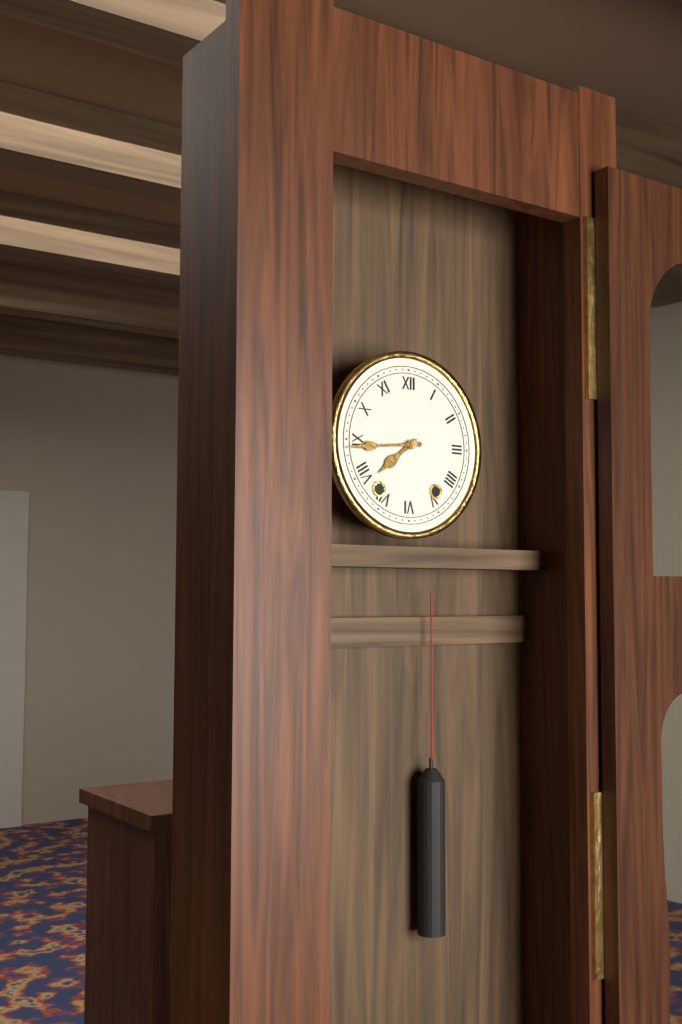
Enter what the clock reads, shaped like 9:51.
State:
7:44
